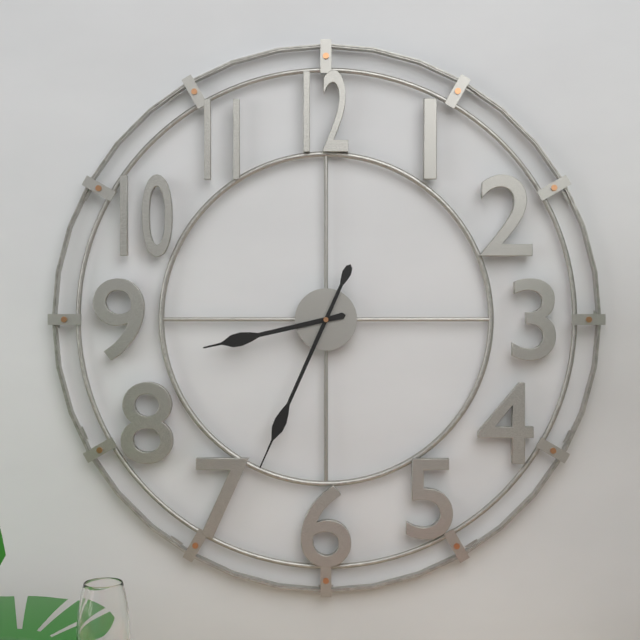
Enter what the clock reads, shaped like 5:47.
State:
8:34
